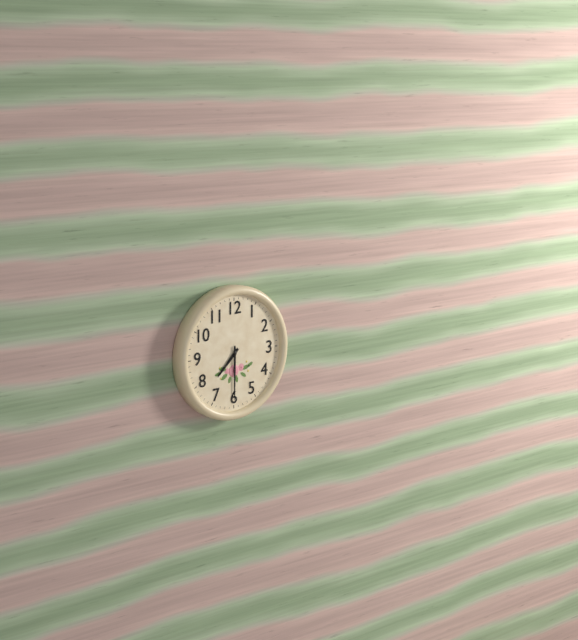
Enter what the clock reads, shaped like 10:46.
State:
7:30
